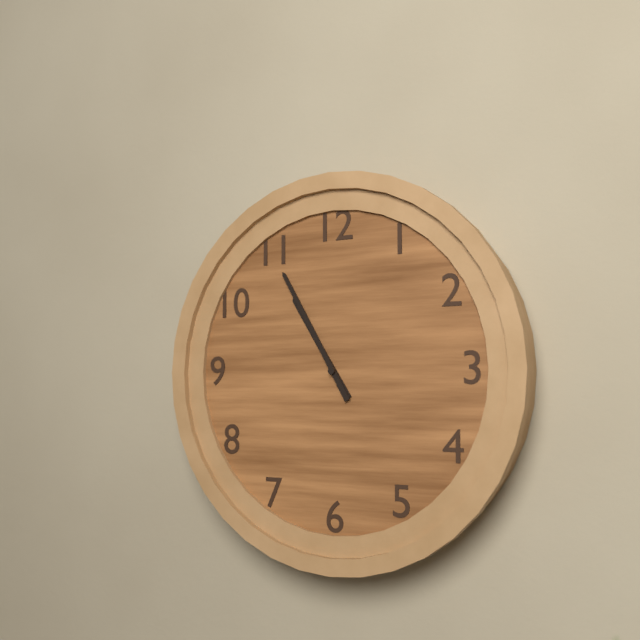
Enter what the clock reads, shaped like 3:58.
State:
10:55
